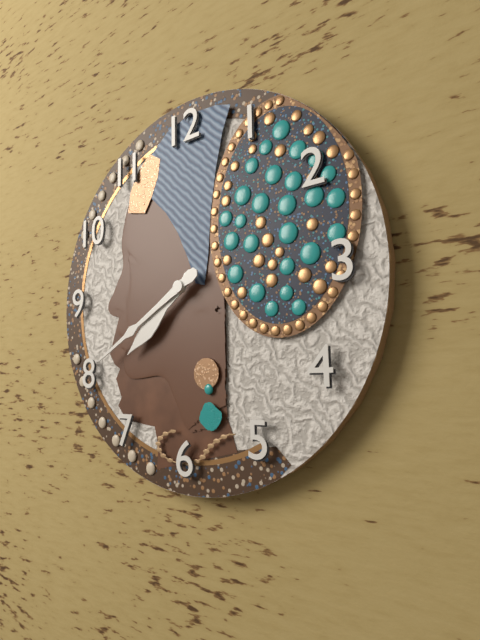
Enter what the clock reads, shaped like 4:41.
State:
7:40
